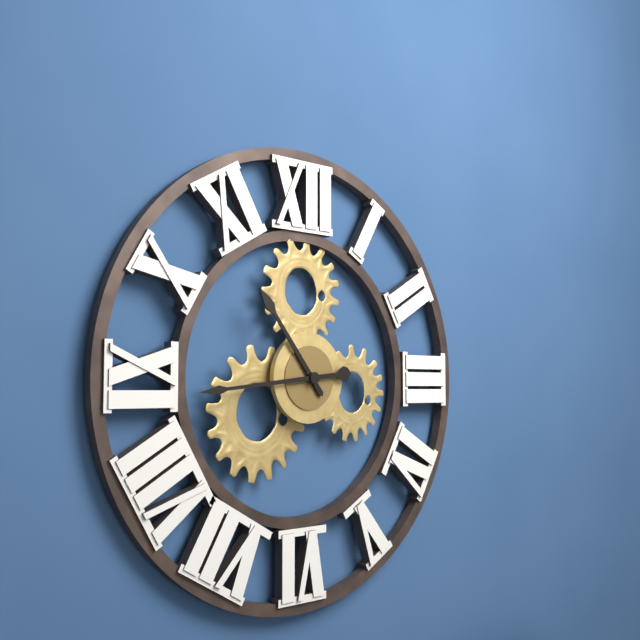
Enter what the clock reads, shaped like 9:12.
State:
10:44
